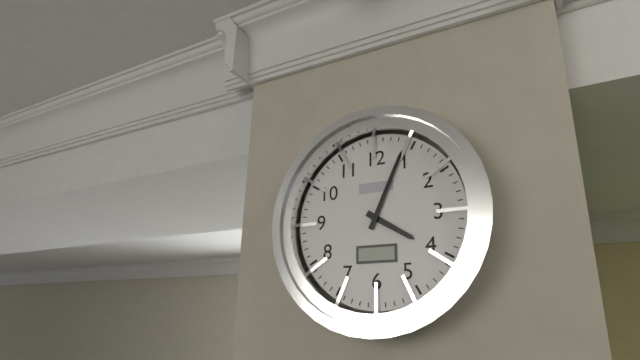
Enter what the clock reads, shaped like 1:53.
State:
4:04
